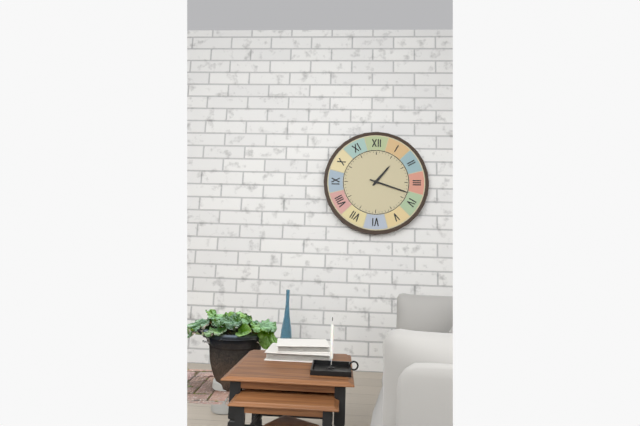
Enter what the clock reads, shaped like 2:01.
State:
1:18
